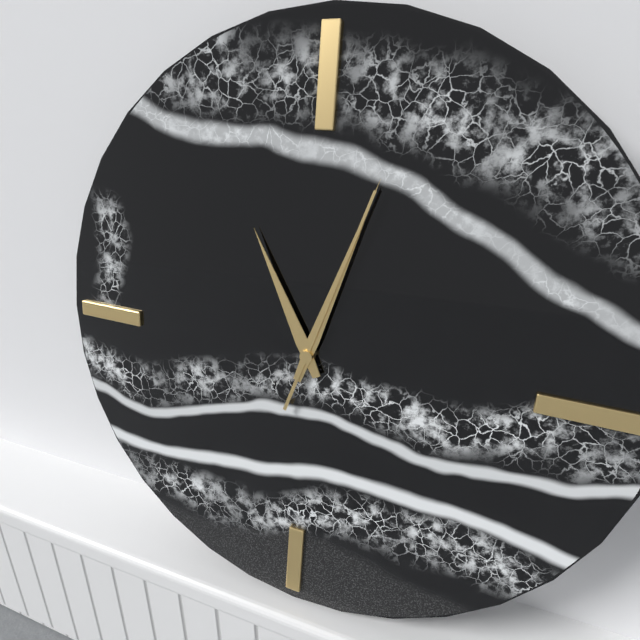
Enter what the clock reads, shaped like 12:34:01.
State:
11:03:03
